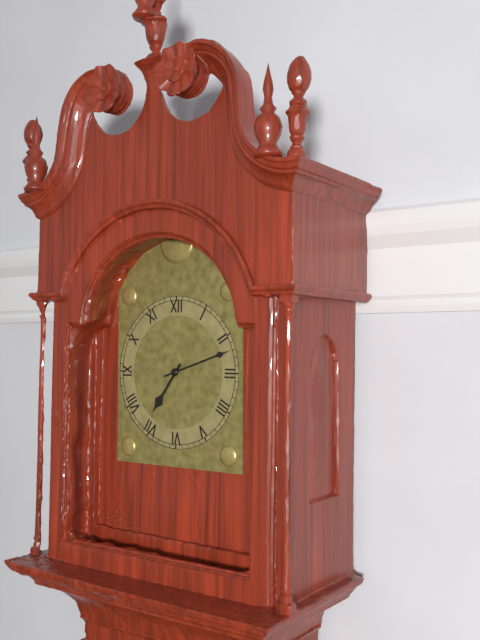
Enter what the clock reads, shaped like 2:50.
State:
7:12
